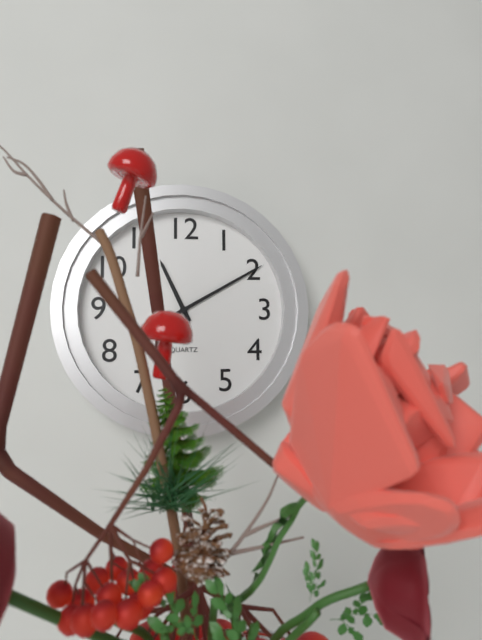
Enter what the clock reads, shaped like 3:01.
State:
11:10
